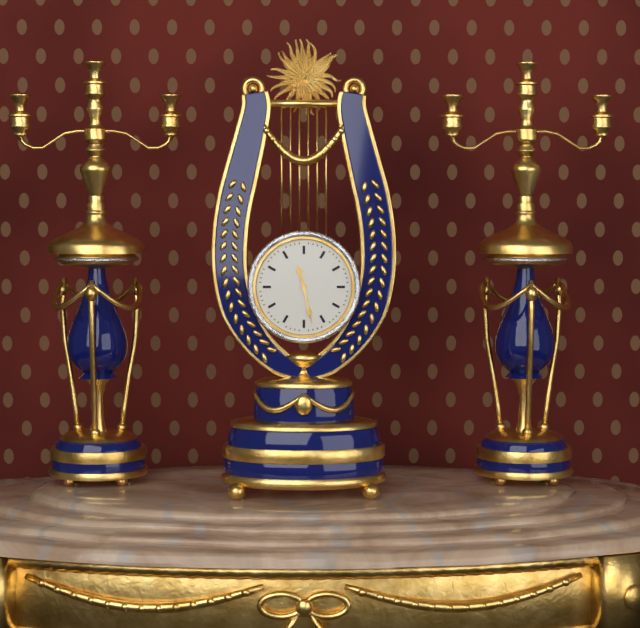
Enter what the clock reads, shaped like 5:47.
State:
11:28
